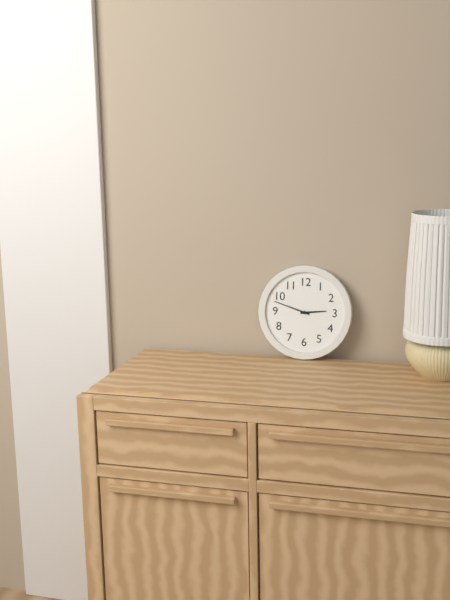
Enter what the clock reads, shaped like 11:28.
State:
2:48
